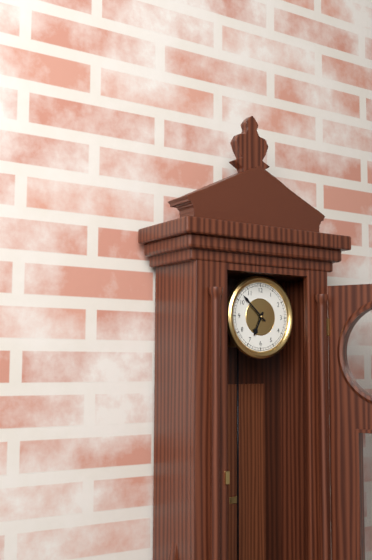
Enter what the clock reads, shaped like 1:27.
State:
6:52
